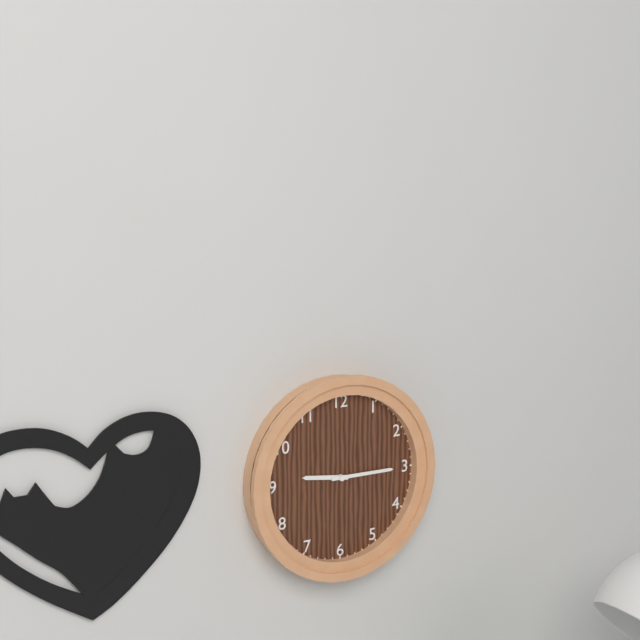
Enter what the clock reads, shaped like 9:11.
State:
9:15
